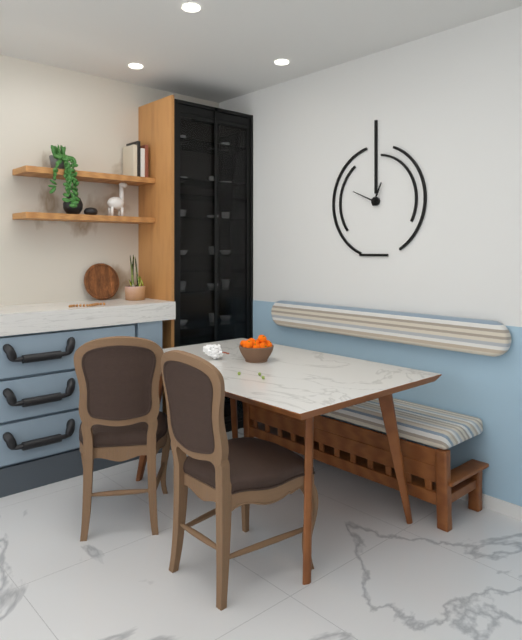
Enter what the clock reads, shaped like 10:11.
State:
12:49
